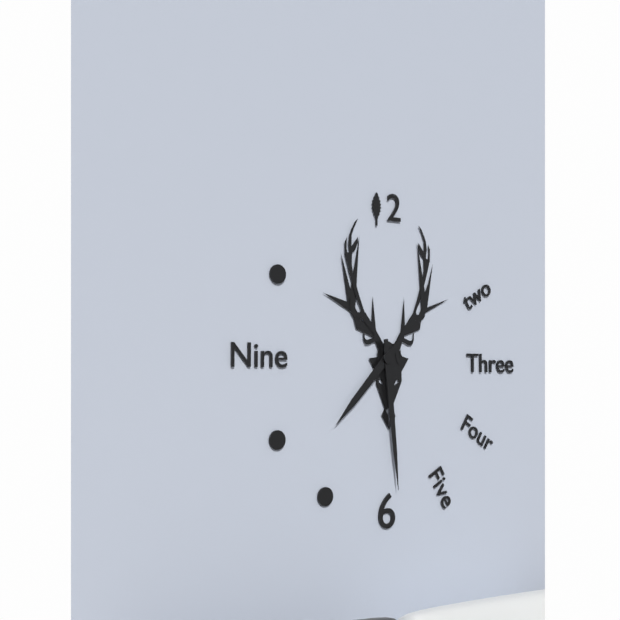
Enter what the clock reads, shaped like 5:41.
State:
7:29
